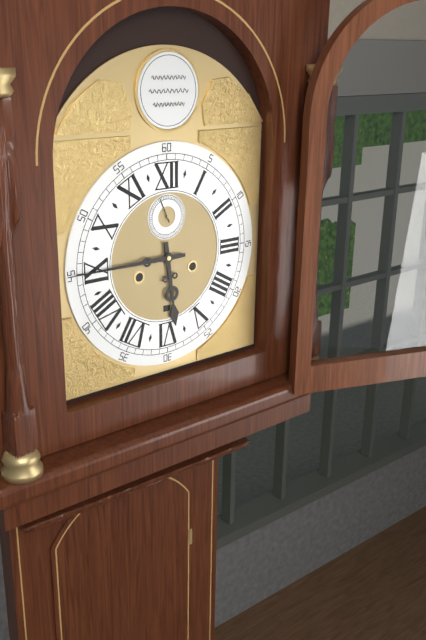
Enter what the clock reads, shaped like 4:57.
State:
5:45
